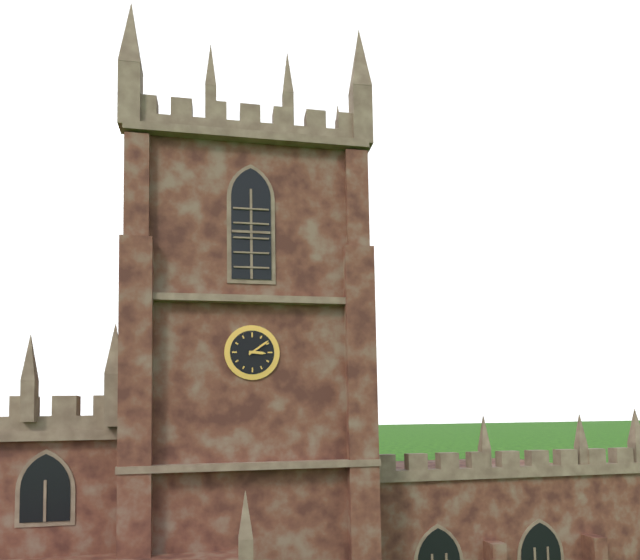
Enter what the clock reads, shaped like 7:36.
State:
3:09
